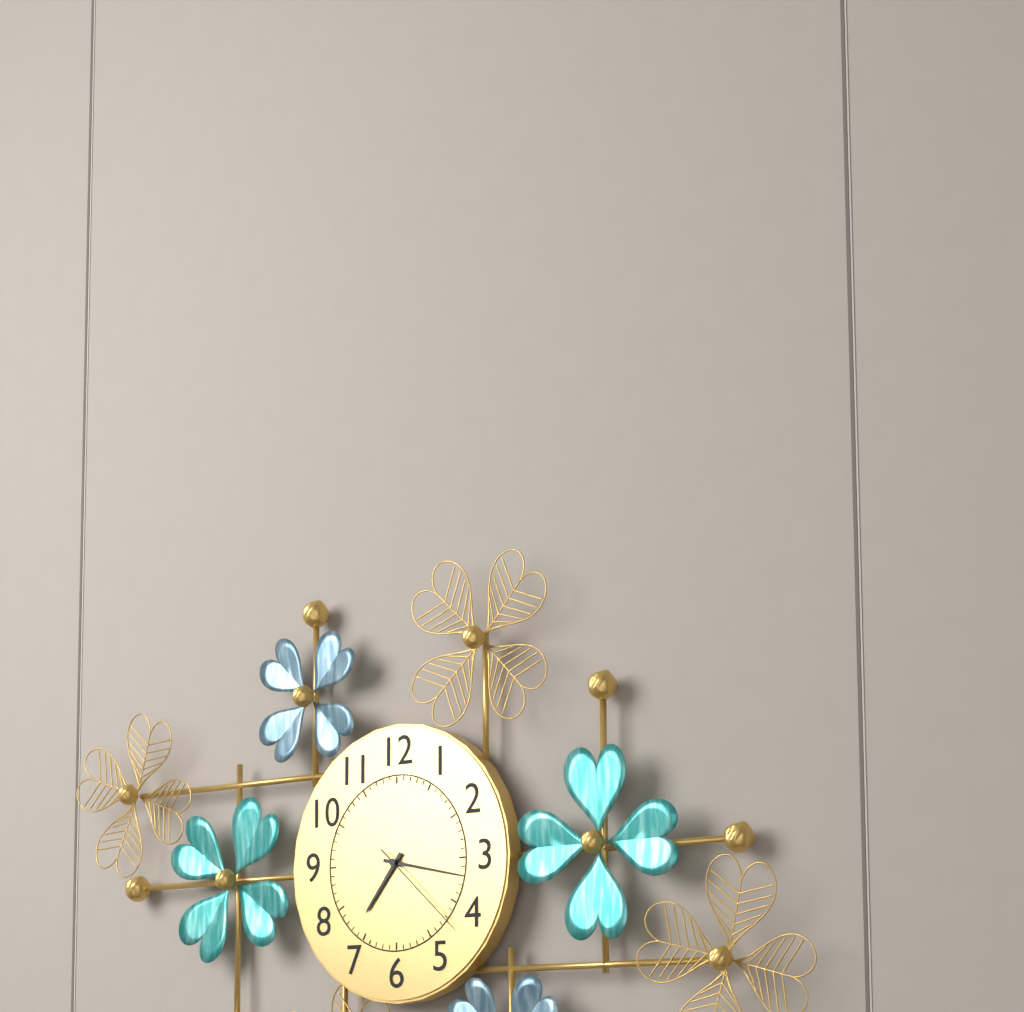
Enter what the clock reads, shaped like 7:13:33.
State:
7:17:22
